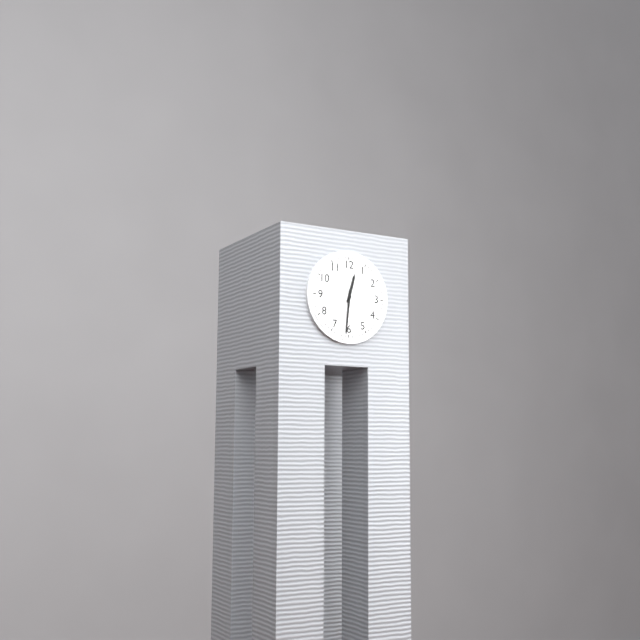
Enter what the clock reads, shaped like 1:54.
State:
12:31
